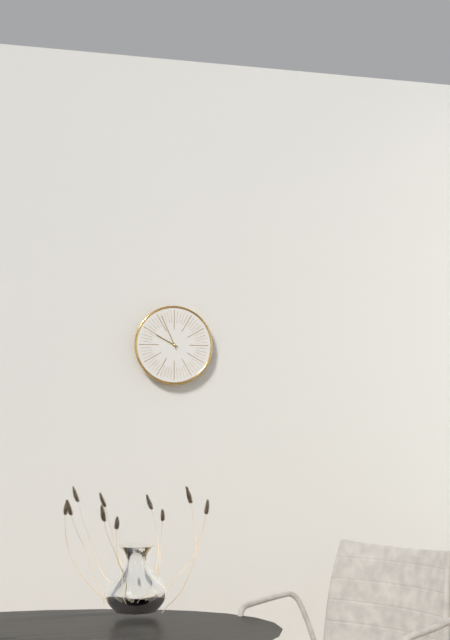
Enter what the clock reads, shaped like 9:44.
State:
9:56
